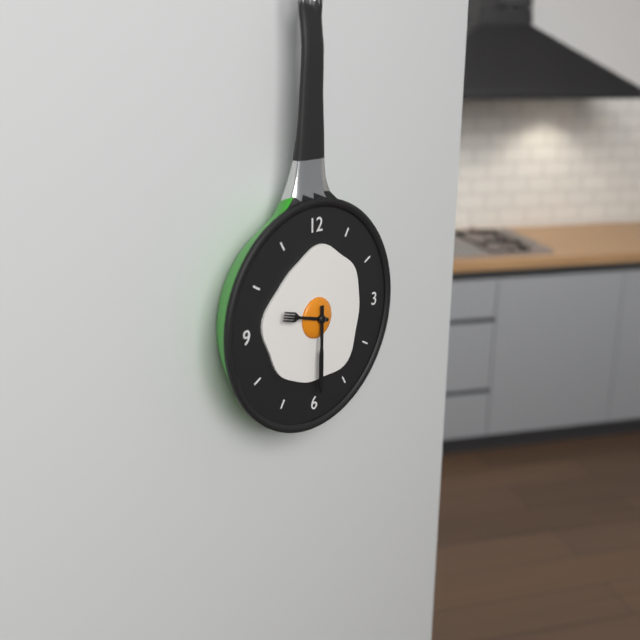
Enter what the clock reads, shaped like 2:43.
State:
9:30
